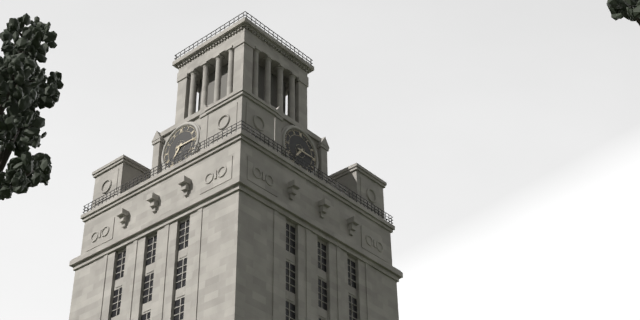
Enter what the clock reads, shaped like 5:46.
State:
7:15
